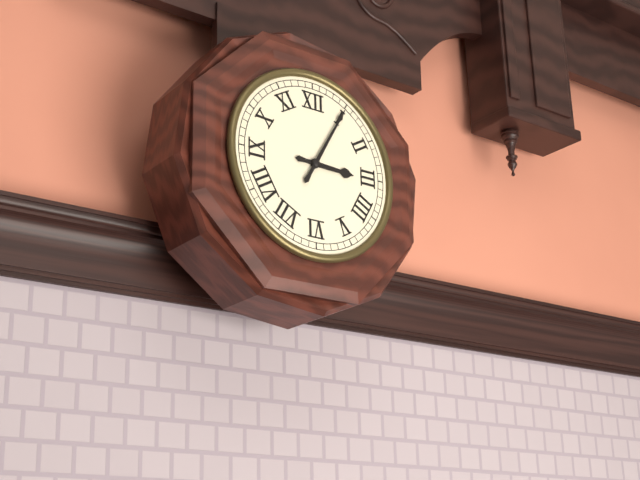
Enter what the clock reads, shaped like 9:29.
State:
3:05
